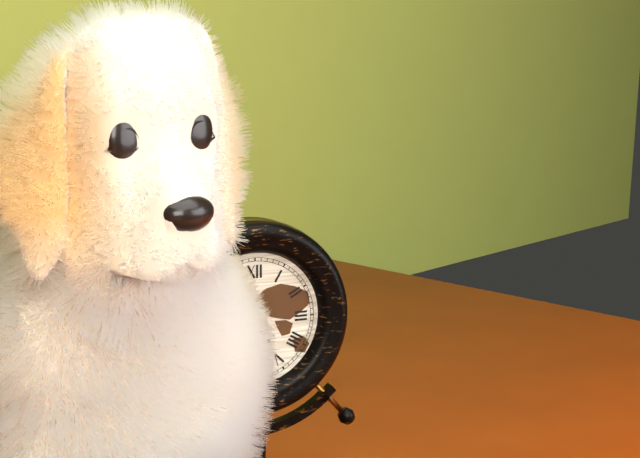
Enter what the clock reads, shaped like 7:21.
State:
4:55
